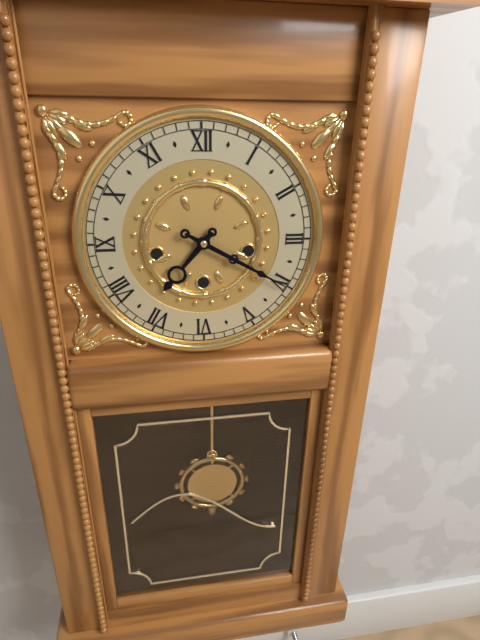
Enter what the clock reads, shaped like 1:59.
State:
7:20
